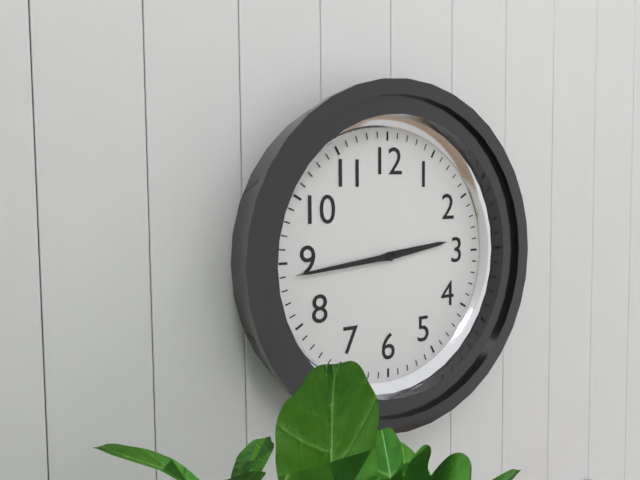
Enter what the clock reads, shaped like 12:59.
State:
2:44
